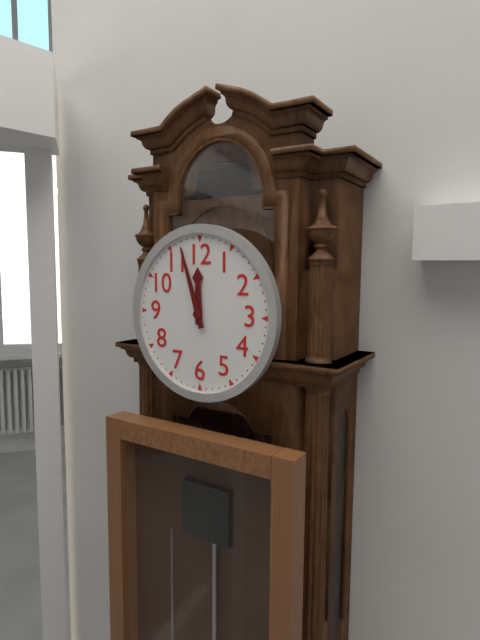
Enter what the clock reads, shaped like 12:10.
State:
11:57
